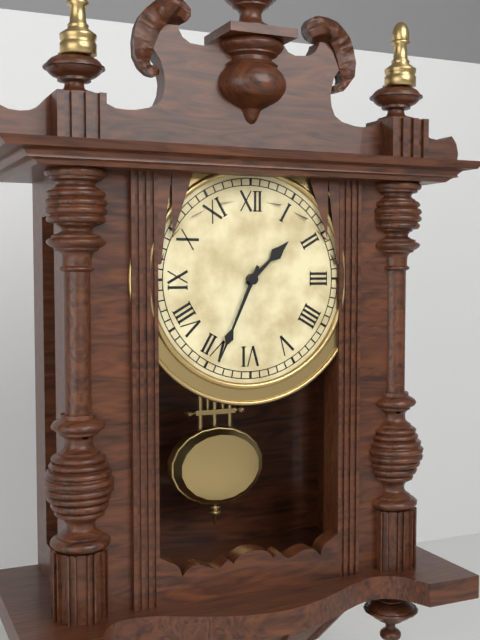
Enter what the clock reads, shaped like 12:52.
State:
1:34
